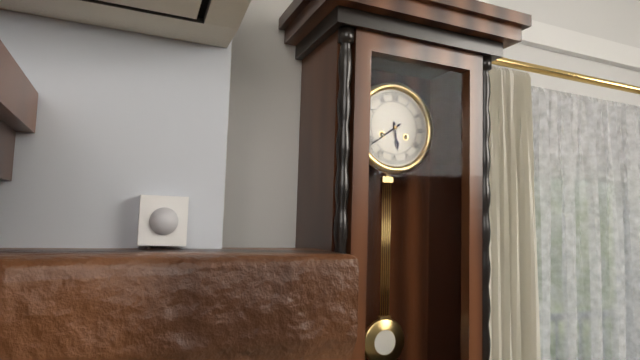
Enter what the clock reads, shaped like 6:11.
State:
5:39
